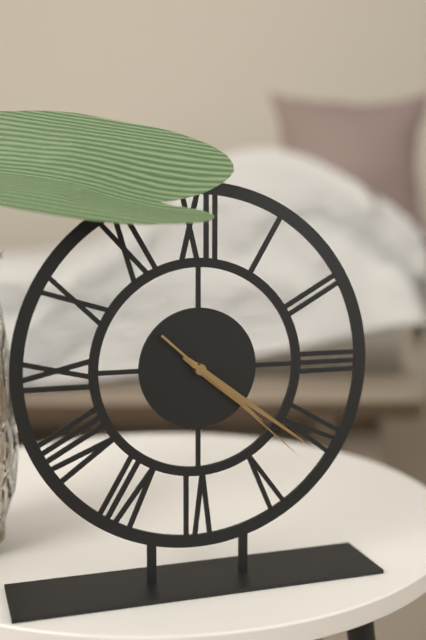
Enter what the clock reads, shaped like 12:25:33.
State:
4:21:22
